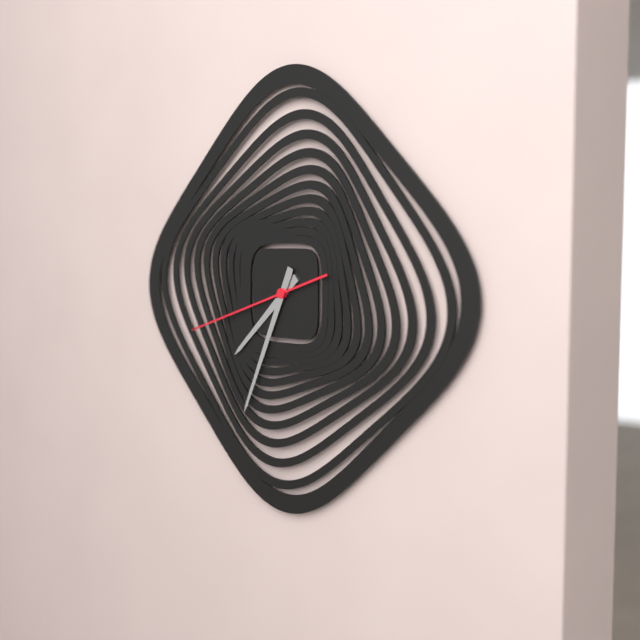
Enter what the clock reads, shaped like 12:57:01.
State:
7:34:42
